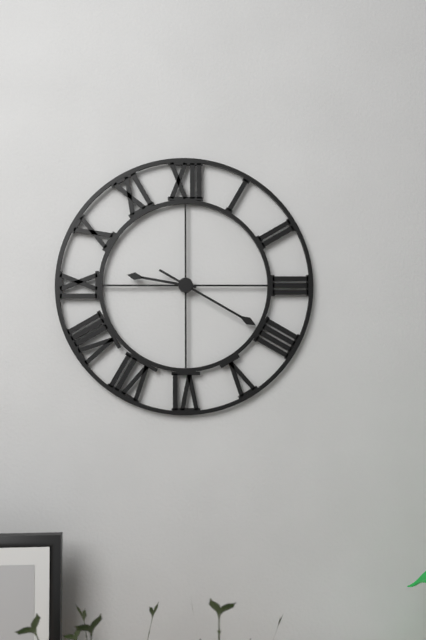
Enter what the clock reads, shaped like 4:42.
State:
9:20
